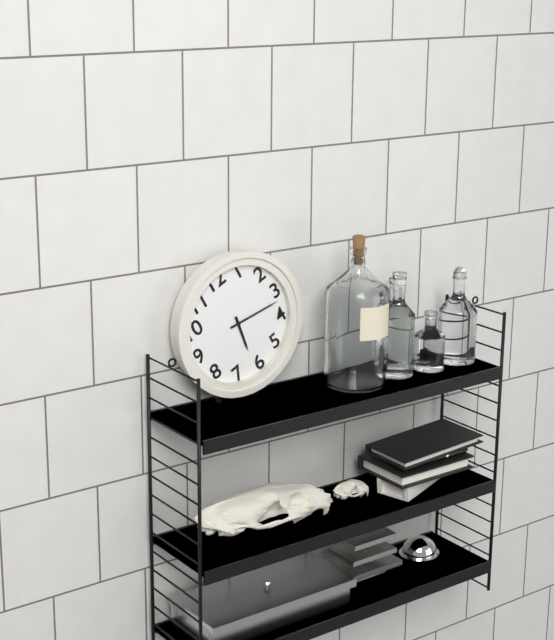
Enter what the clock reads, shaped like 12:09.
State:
6:17
